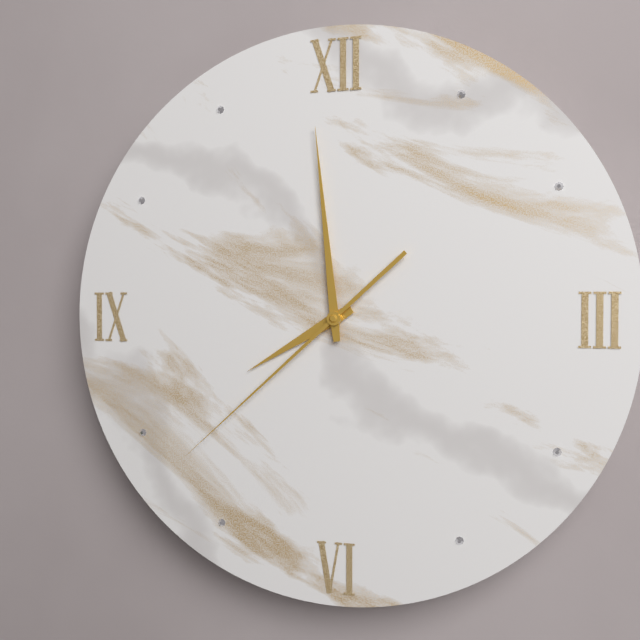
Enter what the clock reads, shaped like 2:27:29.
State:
7:59:38
